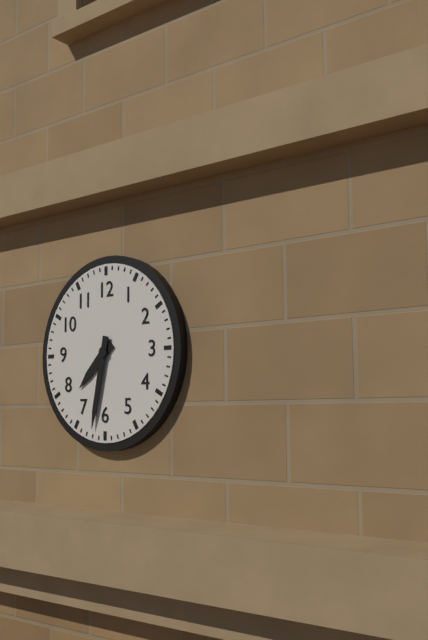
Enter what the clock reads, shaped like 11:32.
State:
7:32
